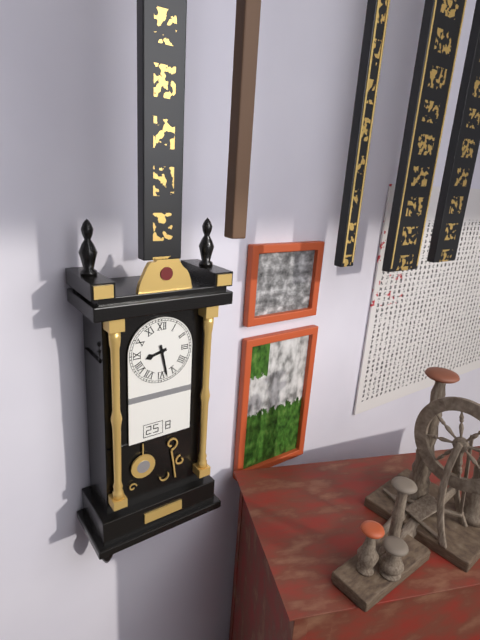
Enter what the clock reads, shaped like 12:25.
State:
8:28
